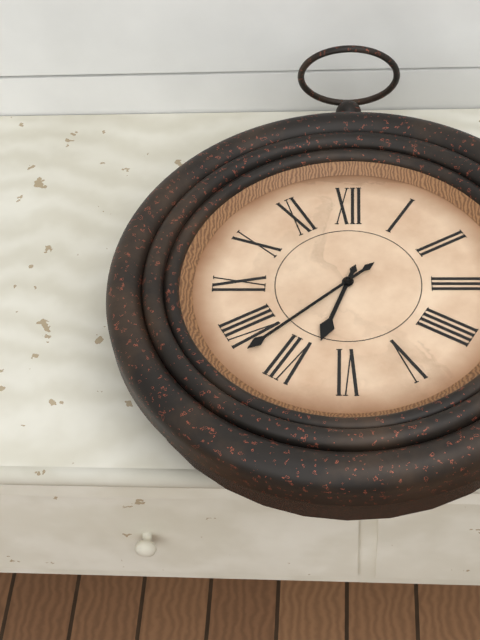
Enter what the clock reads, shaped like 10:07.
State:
6:38
